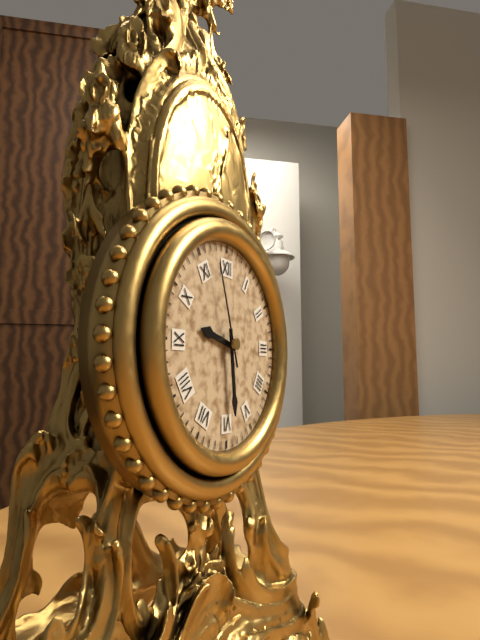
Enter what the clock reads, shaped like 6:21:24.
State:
9:29:57
